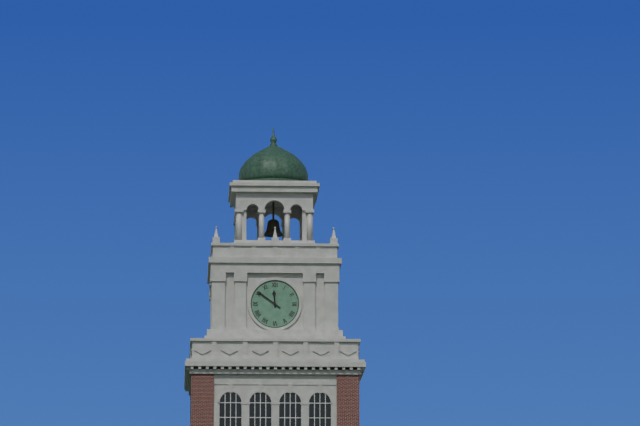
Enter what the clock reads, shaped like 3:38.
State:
11:51
